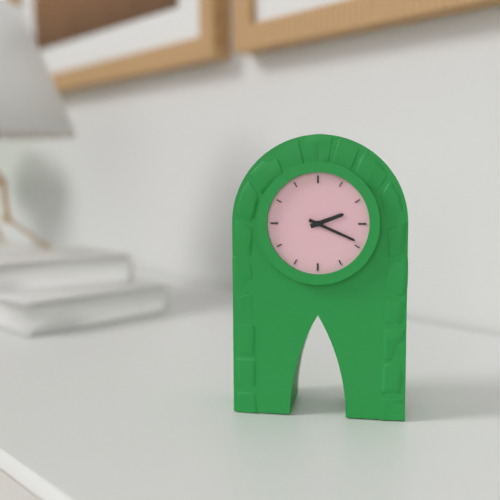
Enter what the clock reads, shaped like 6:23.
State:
2:19
